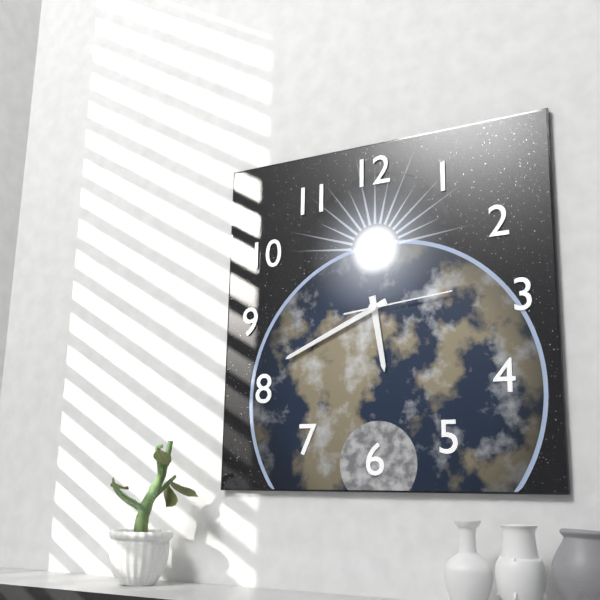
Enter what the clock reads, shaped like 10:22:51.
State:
5:41:14
